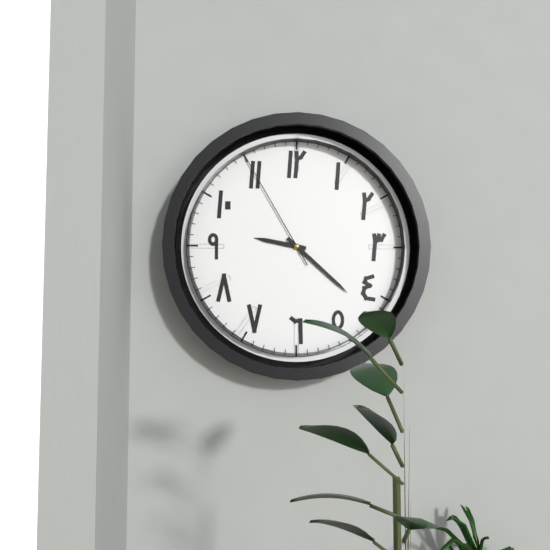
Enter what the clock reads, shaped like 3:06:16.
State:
9:22:55
